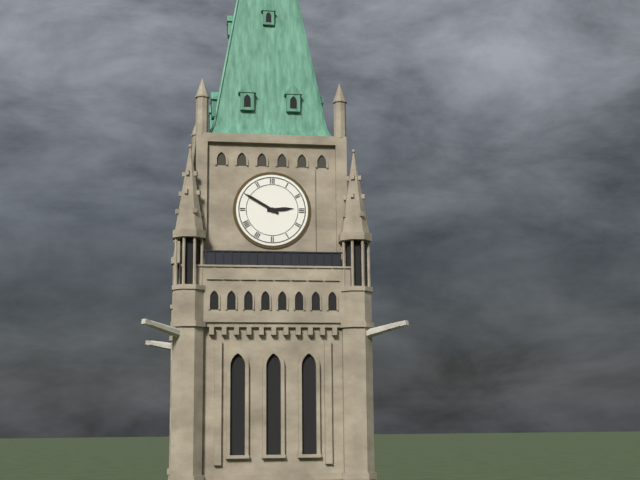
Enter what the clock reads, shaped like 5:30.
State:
2:50
